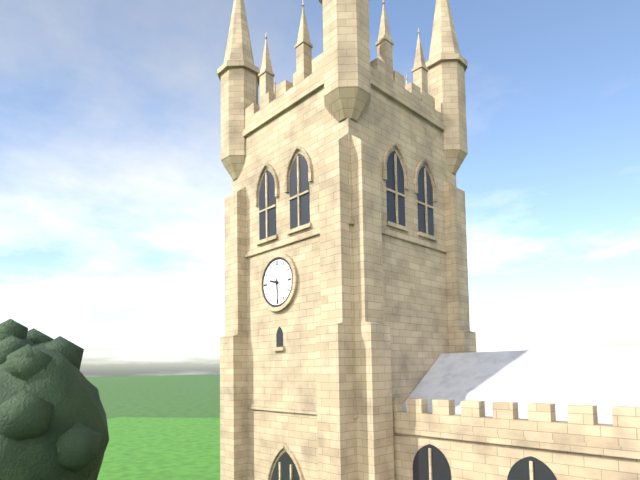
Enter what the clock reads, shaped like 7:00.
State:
9:29
